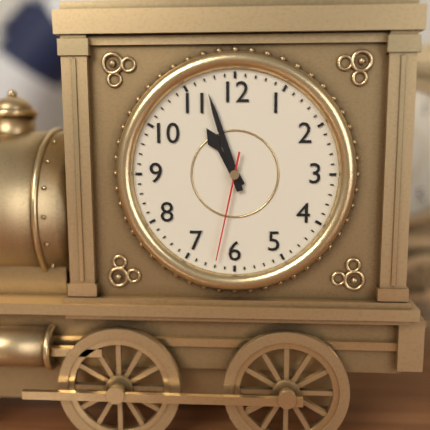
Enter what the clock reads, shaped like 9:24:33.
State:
10:57:32
